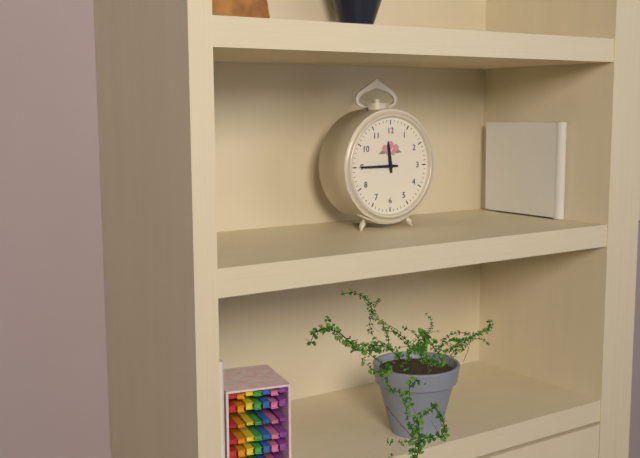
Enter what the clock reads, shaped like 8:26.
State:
11:45
